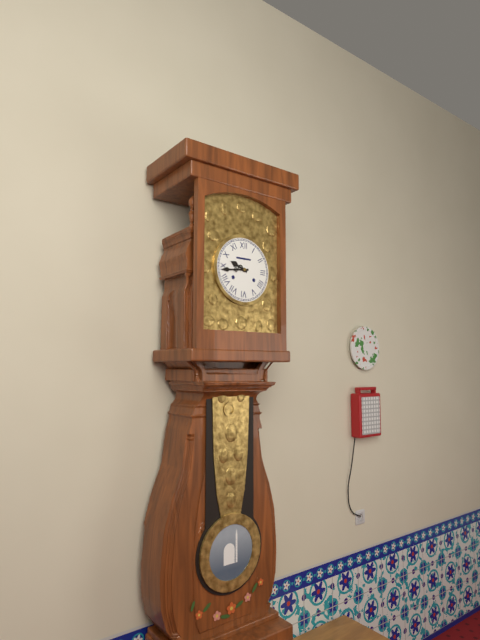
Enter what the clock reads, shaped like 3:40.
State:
9:44
